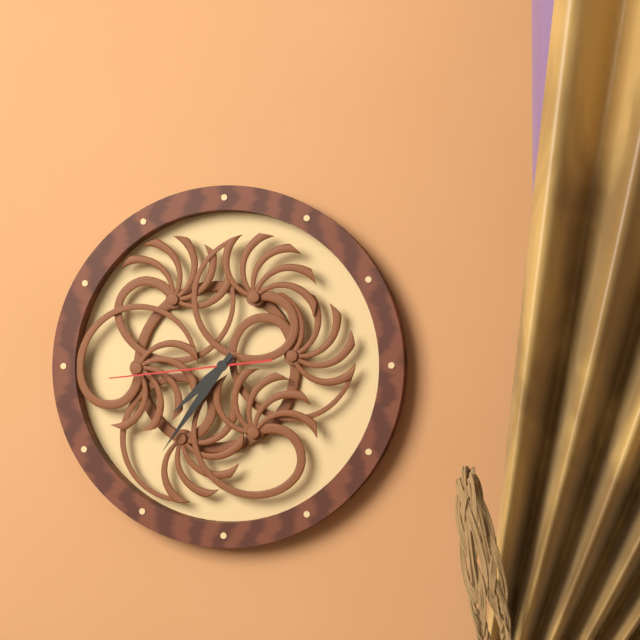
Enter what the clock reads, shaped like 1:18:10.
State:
7:36:44
